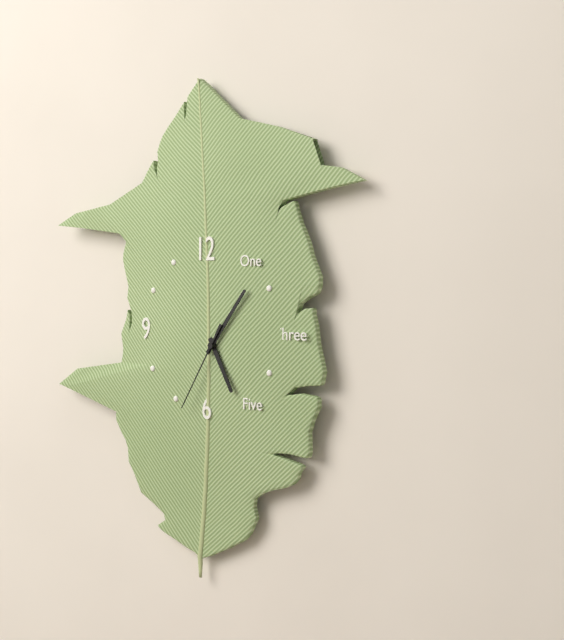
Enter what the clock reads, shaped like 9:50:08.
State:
5:06:35
